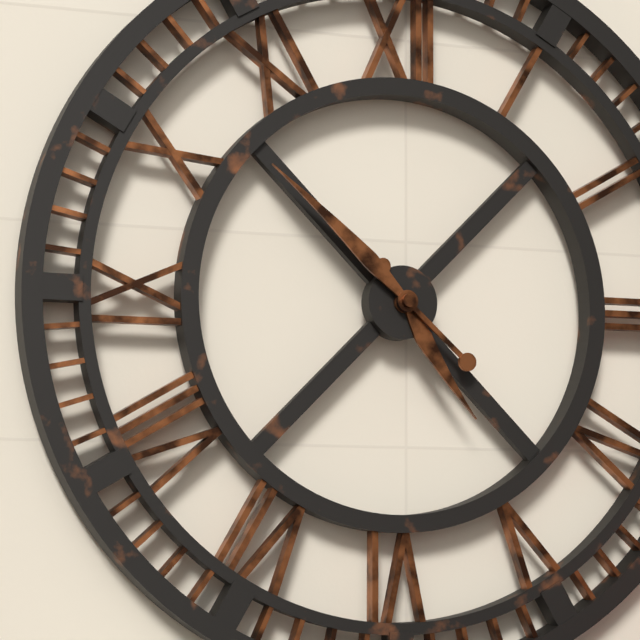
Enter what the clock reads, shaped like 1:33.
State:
4:52
